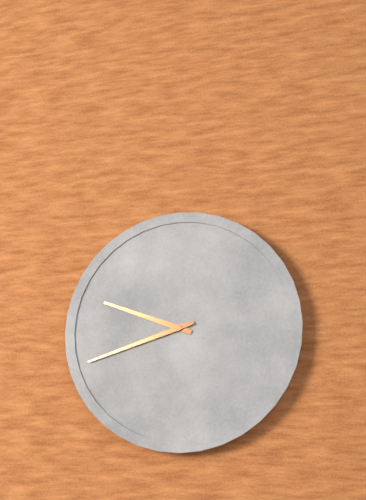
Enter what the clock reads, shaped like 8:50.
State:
9:42
